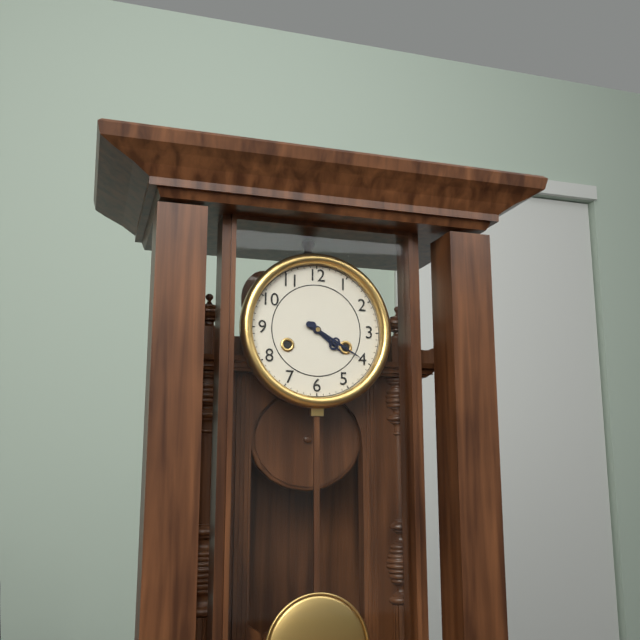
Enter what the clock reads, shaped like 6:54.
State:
4:20
